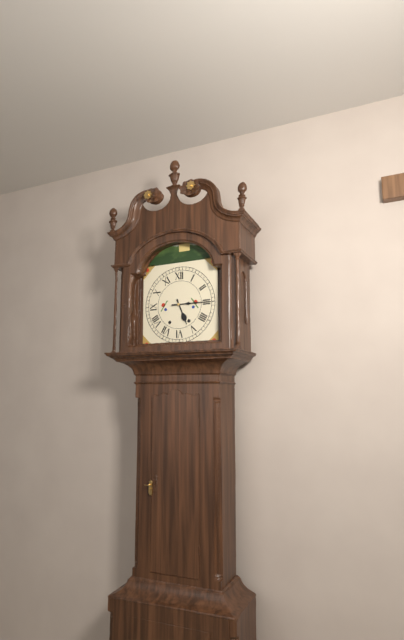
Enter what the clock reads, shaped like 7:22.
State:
5:15
